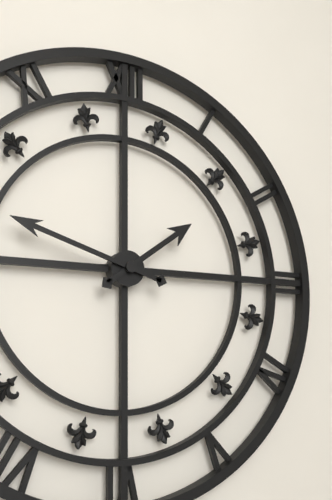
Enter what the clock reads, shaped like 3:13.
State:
1:48
